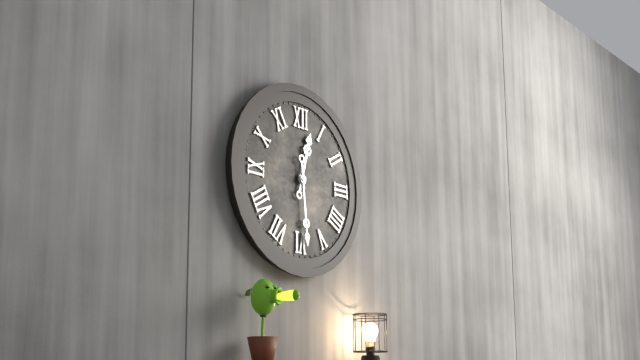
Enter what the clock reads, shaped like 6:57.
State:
12:29
